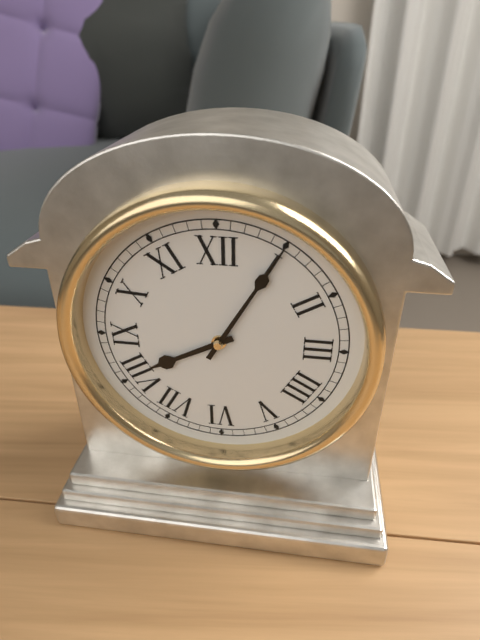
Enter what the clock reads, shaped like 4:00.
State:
8:05
